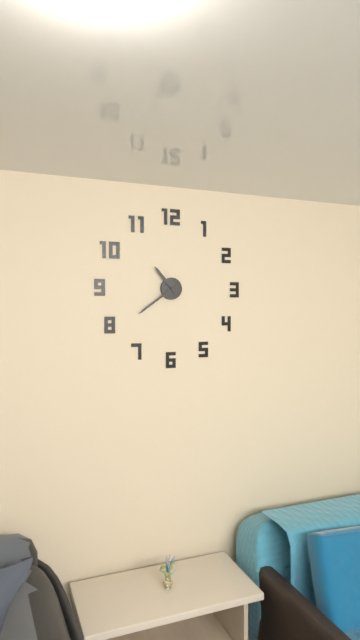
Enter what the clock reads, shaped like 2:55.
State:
10:39
